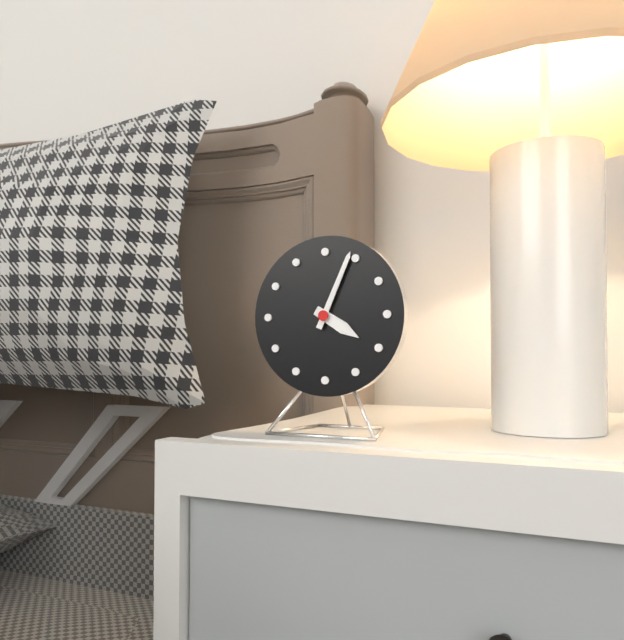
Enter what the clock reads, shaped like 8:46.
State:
4:04
